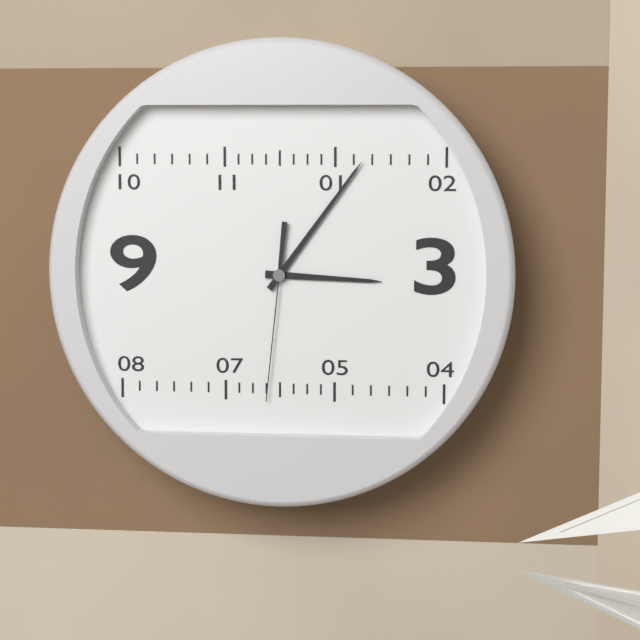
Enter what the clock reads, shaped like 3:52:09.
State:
3:06:31
